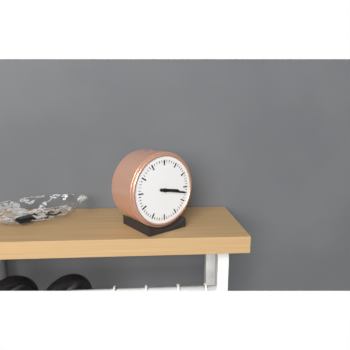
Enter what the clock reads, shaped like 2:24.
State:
3:17
